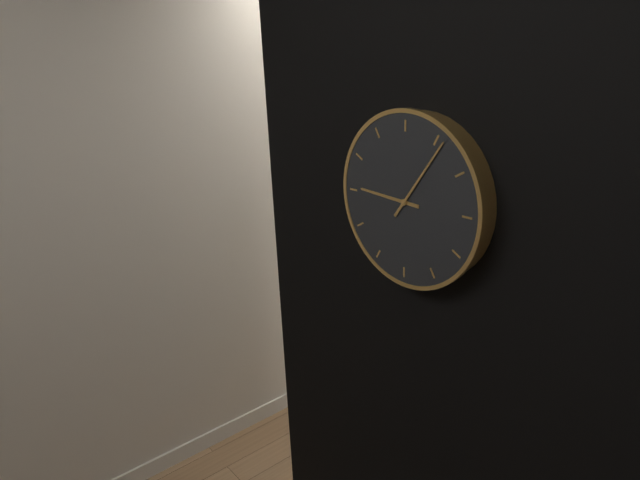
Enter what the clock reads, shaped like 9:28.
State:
9:06
